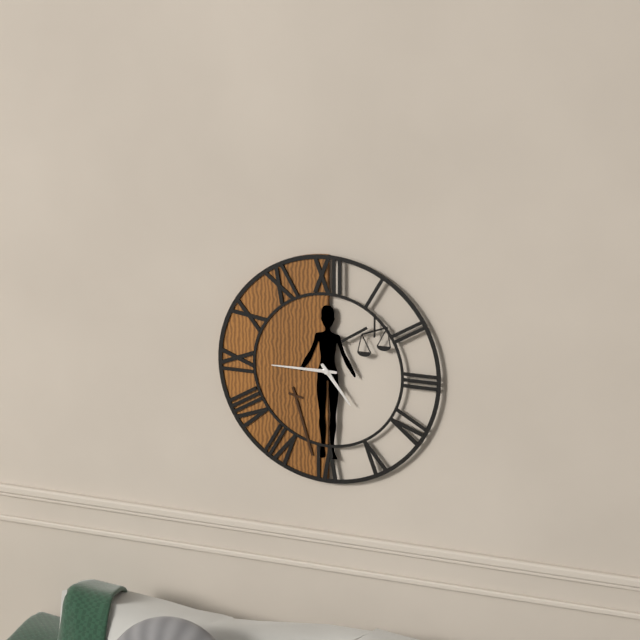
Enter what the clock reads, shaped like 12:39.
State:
4:45
